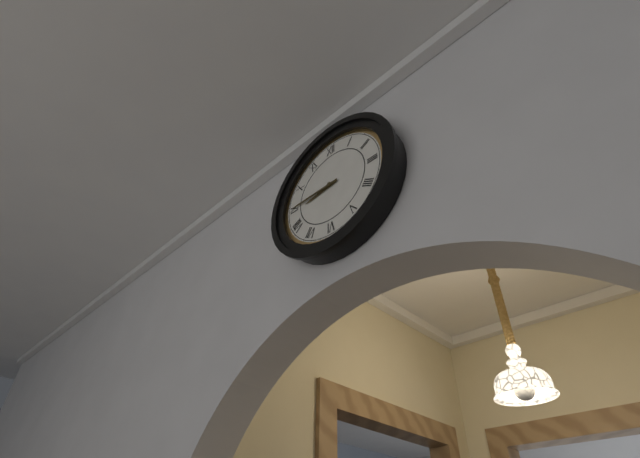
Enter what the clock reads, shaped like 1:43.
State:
8:45
